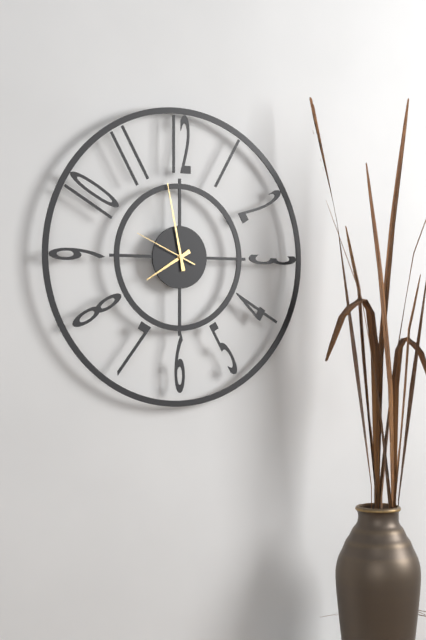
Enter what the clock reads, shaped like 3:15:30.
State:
7:58:49
